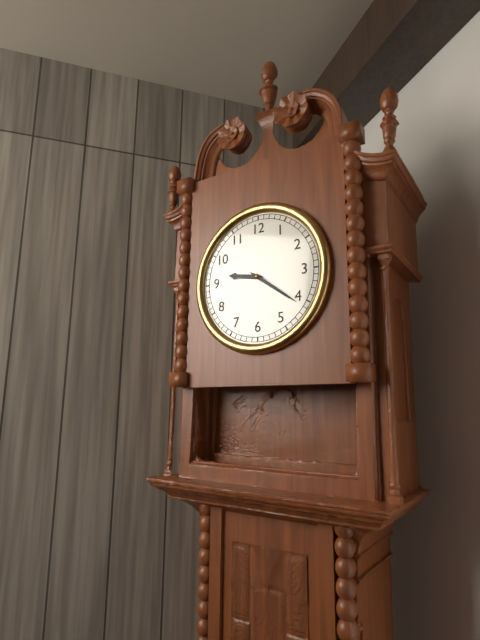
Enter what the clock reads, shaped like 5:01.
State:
9:21
